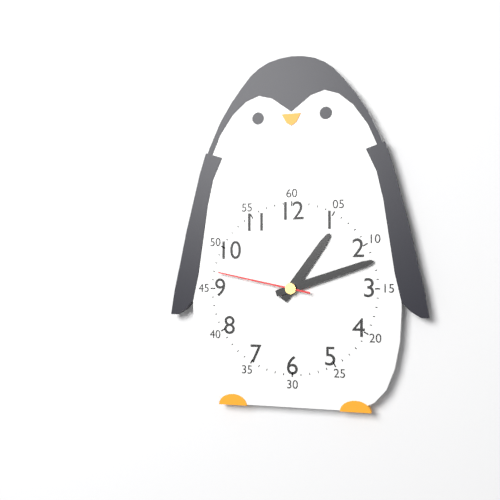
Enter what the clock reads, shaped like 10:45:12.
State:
1:12:47
